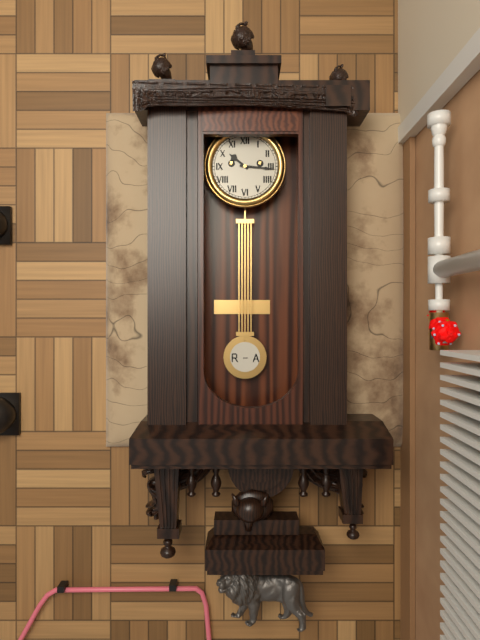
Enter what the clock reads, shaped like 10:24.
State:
10:16
